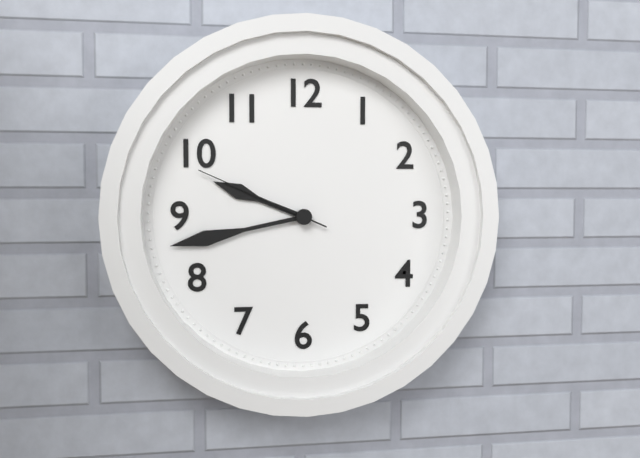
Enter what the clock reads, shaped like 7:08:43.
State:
9:43:49
